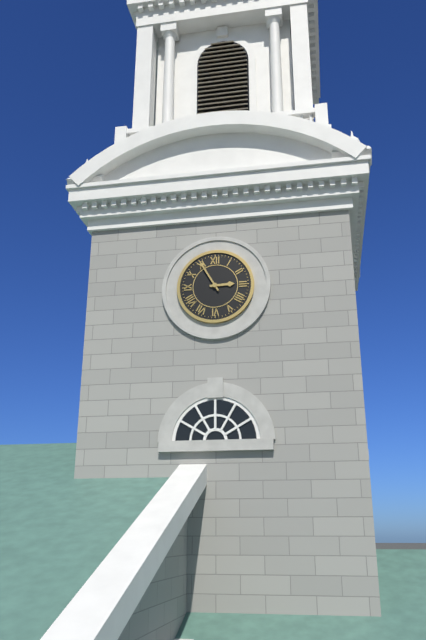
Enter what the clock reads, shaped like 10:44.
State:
2:55
